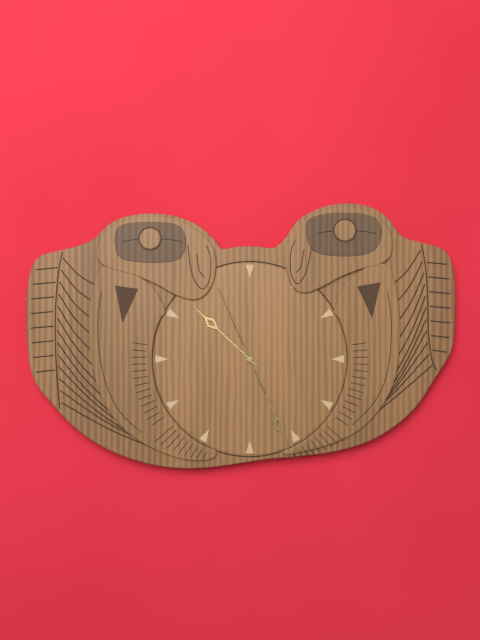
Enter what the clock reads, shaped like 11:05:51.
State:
10:26:56
